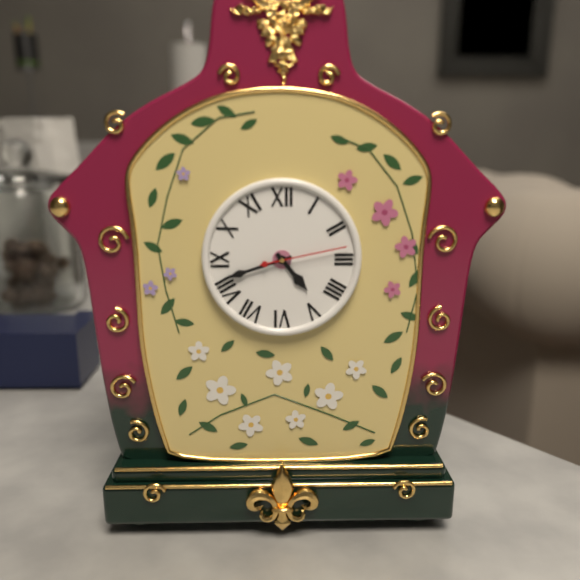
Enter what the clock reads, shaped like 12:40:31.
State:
4:42:13
